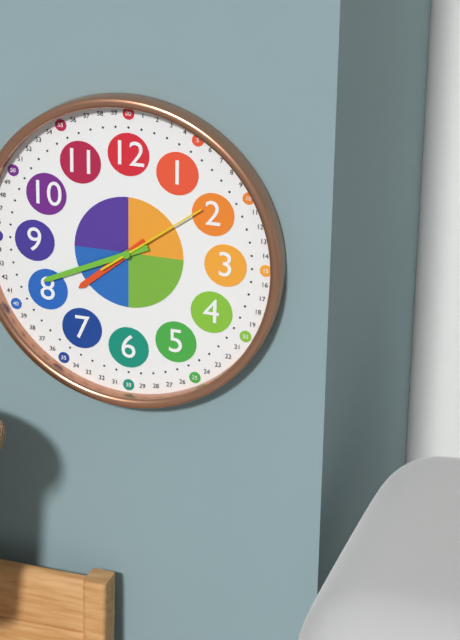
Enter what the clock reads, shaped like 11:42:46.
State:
7:41:09
